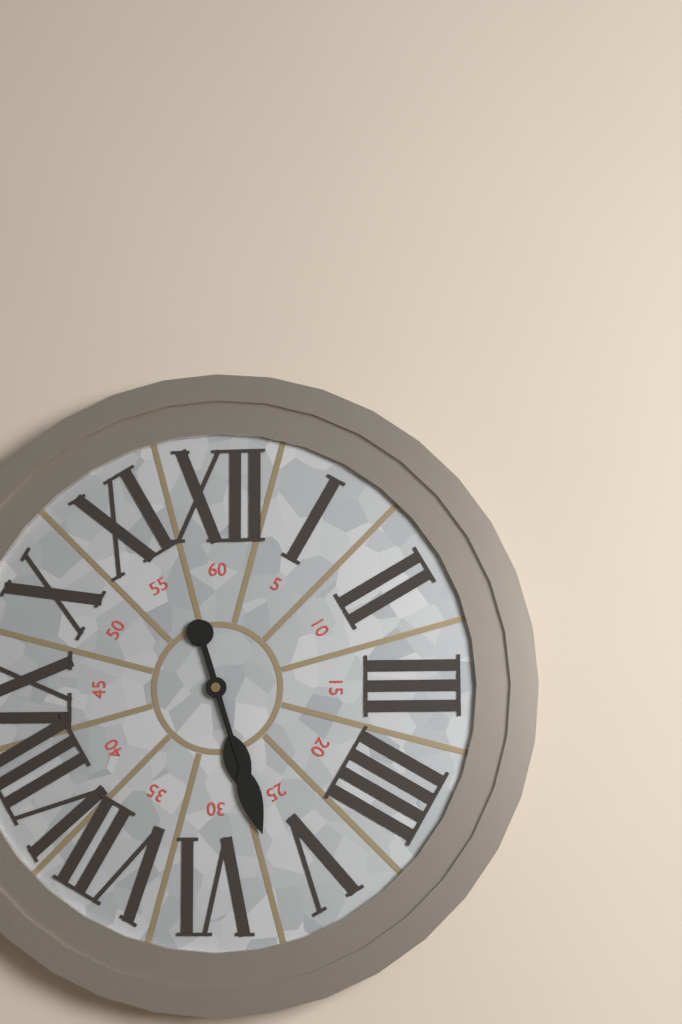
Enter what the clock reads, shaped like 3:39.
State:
5:27
